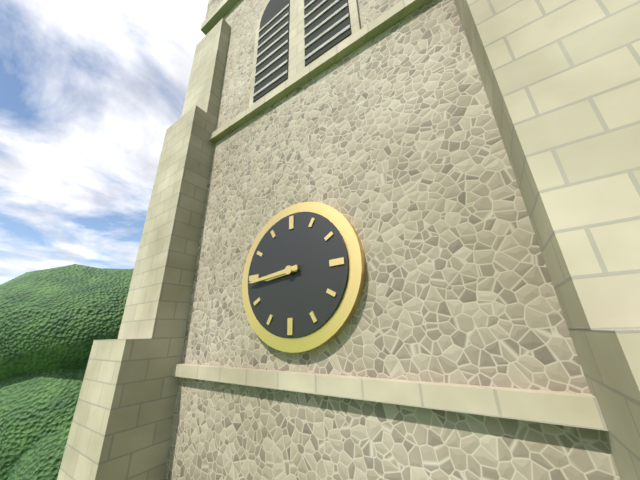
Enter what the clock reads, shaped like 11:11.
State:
8:44
